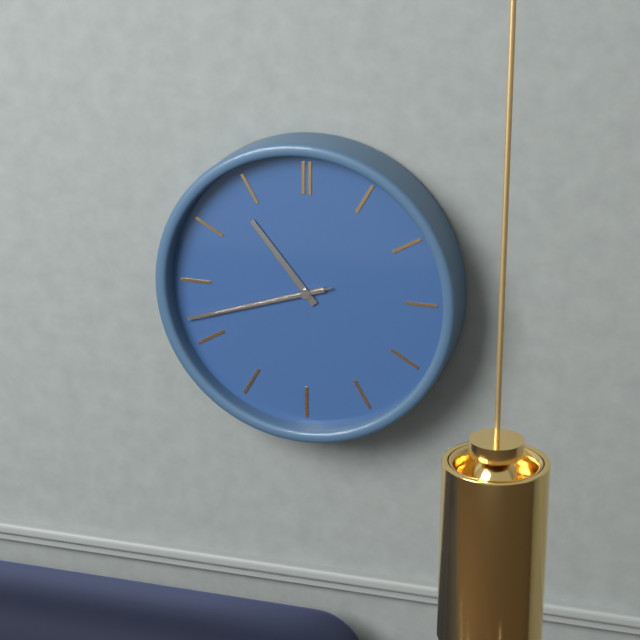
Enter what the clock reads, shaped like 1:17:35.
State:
10:42:42
